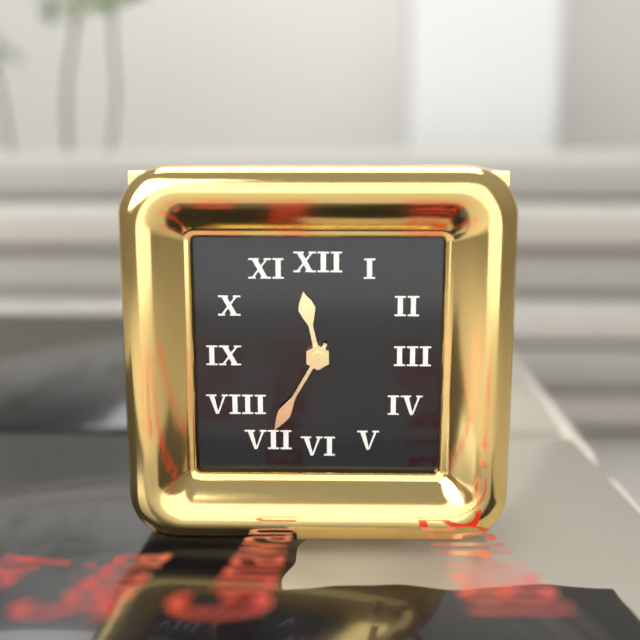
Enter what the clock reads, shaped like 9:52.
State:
11:35
